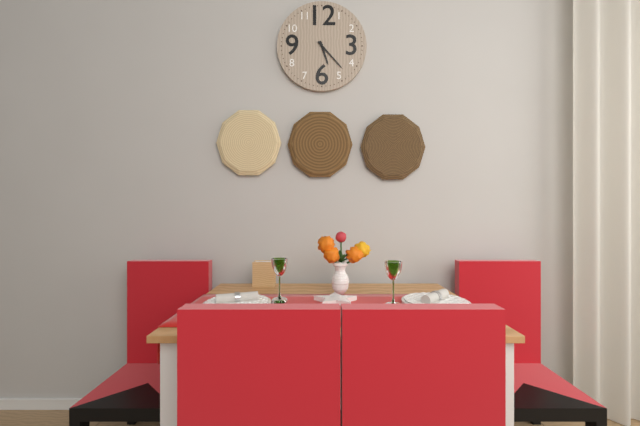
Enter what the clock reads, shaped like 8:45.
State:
5:23
